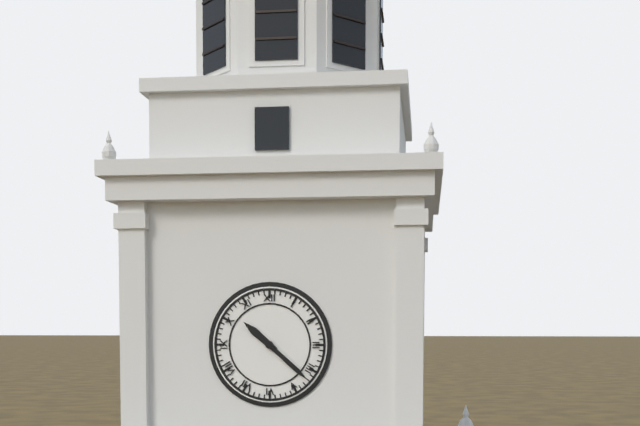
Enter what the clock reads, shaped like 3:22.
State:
10:22
